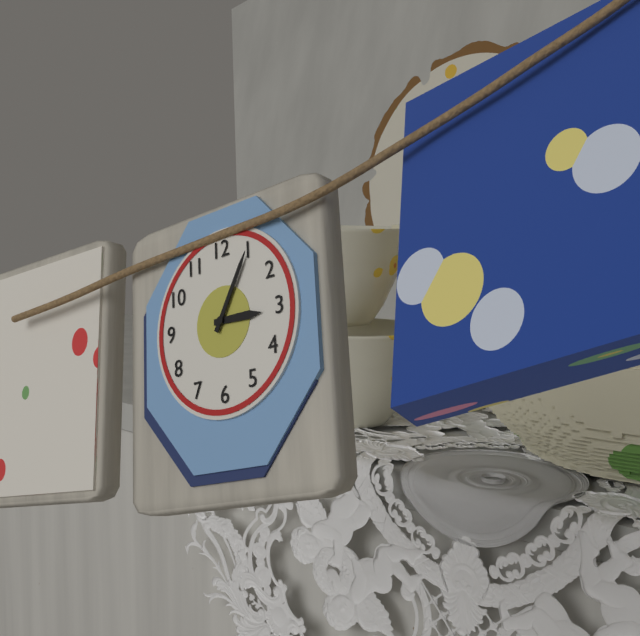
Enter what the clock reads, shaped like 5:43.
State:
3:05
